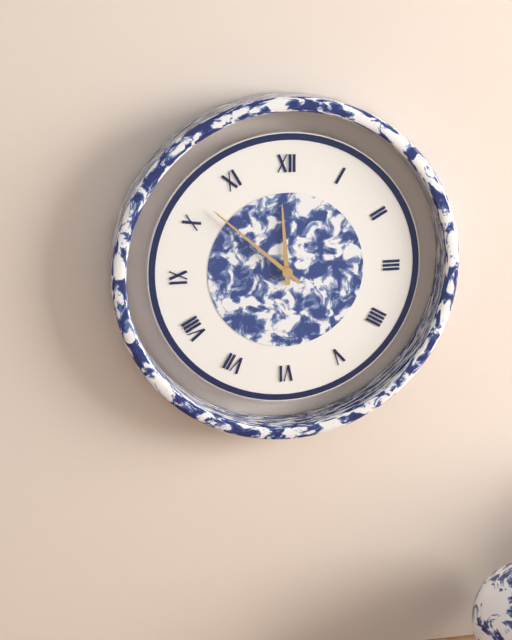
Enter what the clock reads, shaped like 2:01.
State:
11:52
